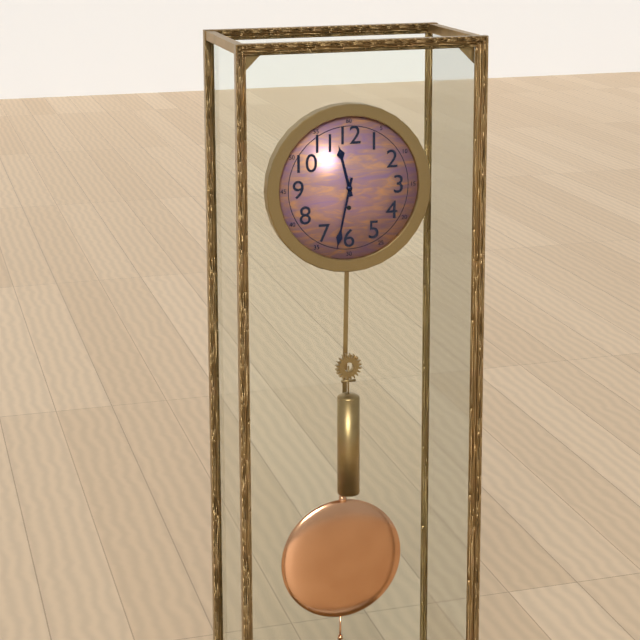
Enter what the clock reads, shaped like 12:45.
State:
11:32
